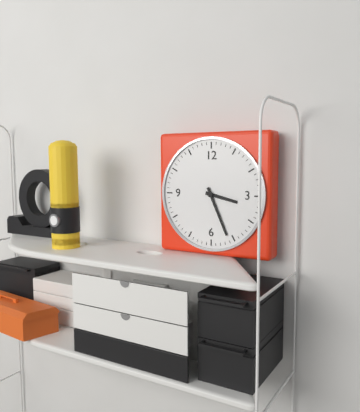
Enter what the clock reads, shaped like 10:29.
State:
3:26
